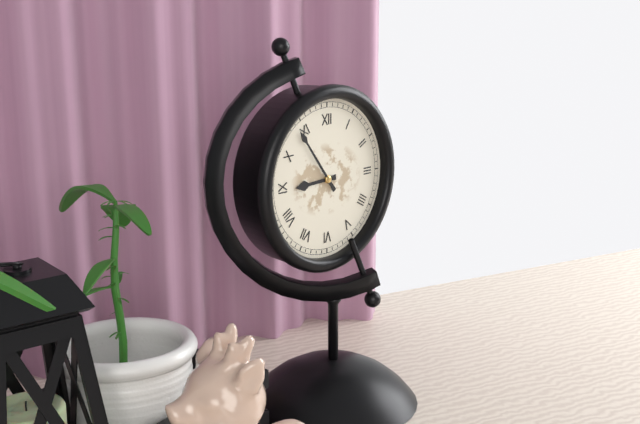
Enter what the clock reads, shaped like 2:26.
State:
8:54
